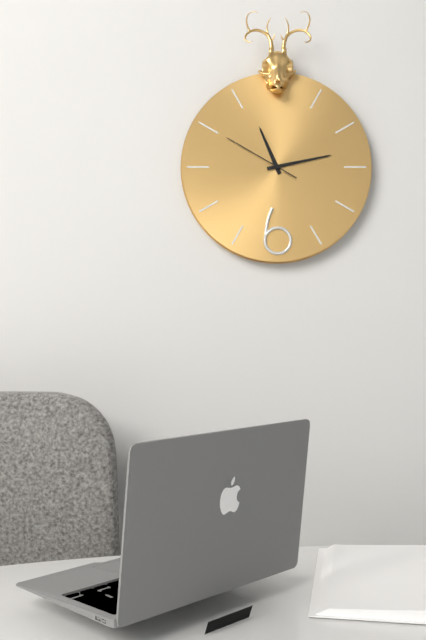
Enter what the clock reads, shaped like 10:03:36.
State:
11:13:50
